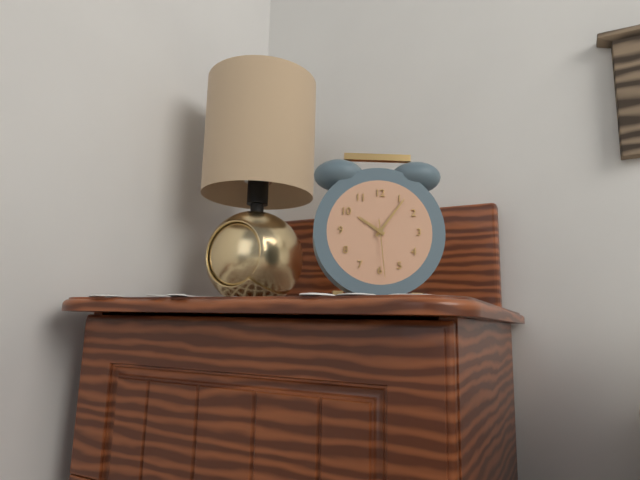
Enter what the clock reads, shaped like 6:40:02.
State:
10:06:29
